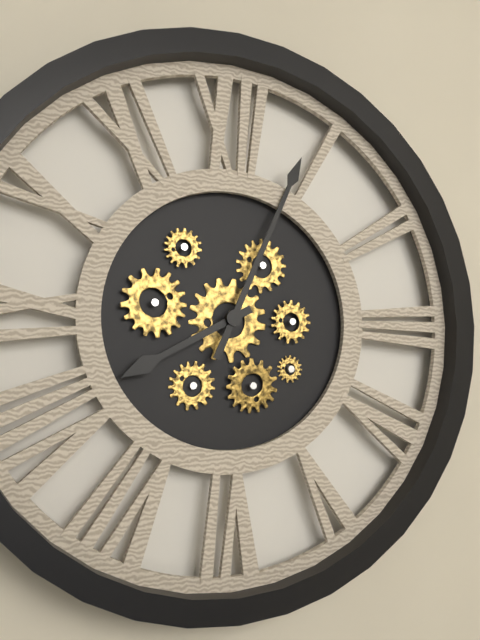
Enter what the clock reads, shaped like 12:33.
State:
8:04
